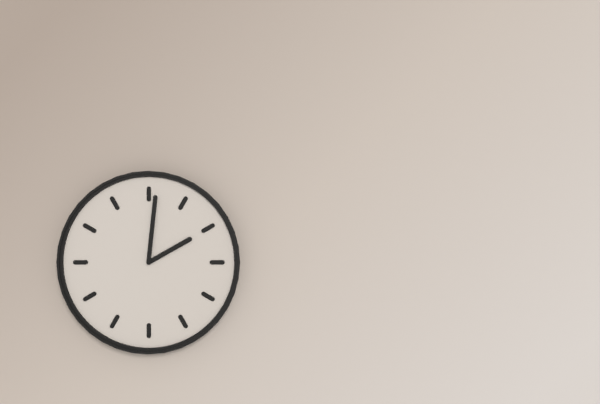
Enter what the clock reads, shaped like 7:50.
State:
2:01
